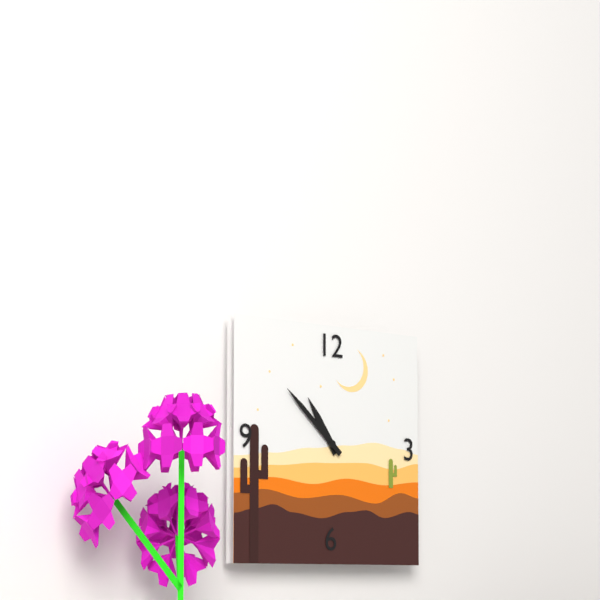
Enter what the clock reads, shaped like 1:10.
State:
10:52
